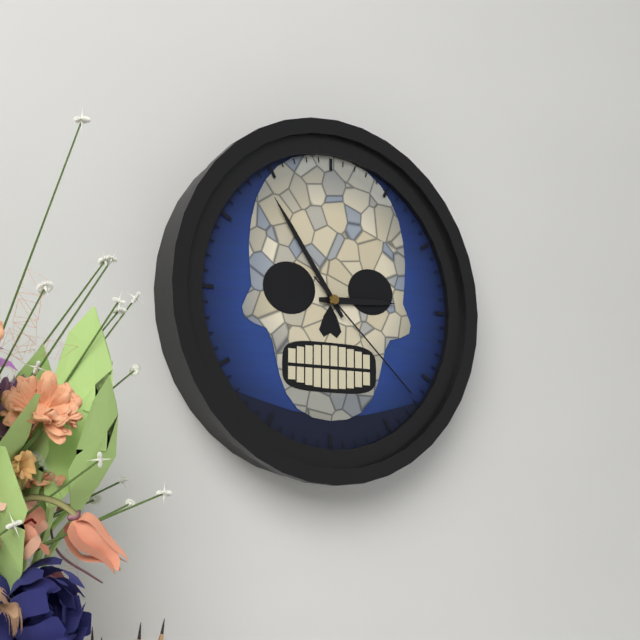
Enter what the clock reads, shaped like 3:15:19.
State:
2:54:22
